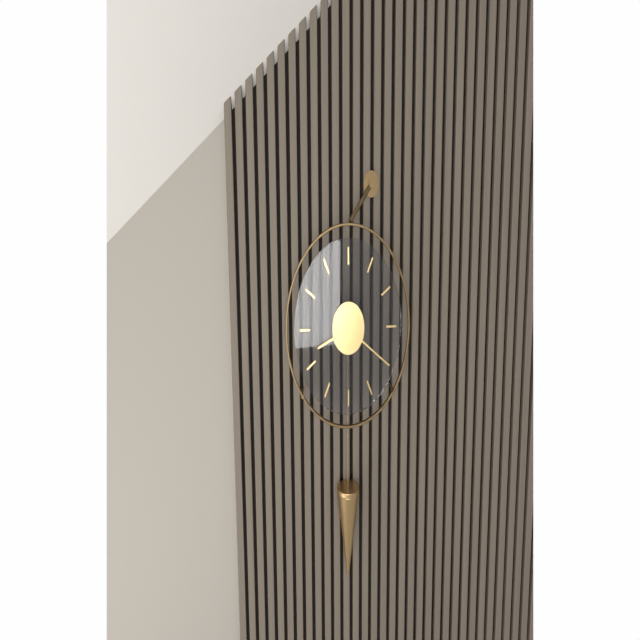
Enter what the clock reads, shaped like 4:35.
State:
8:20
